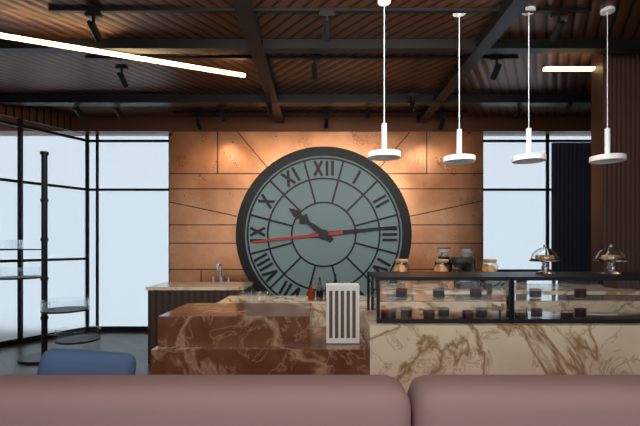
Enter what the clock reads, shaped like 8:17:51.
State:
10:14:44
